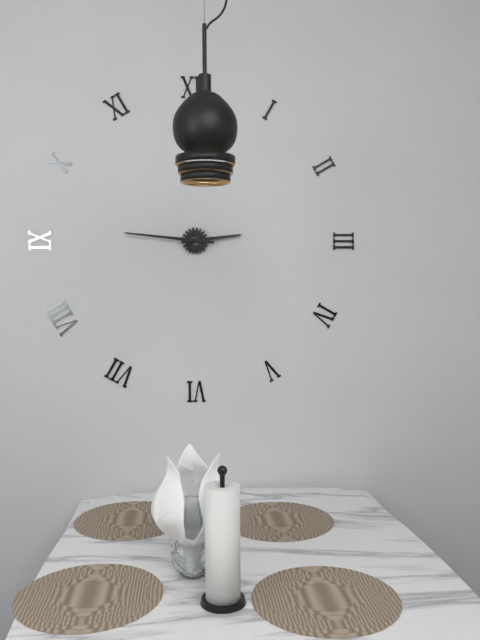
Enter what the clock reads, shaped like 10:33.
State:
2:46
